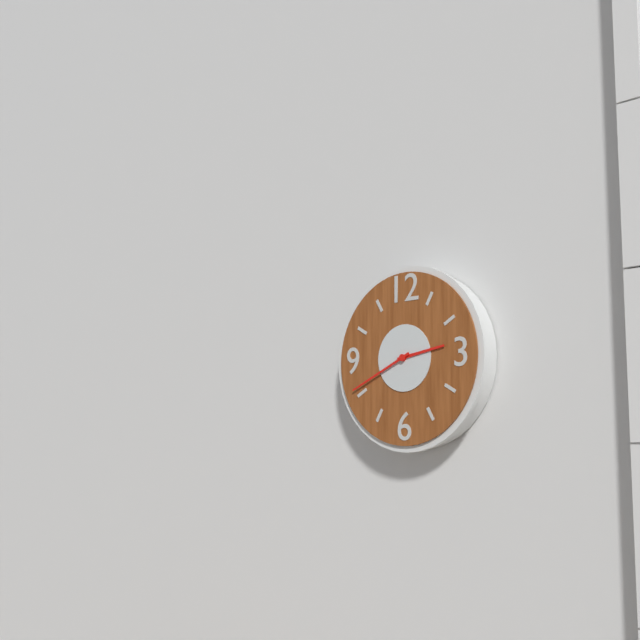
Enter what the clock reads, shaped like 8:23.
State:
2:41
